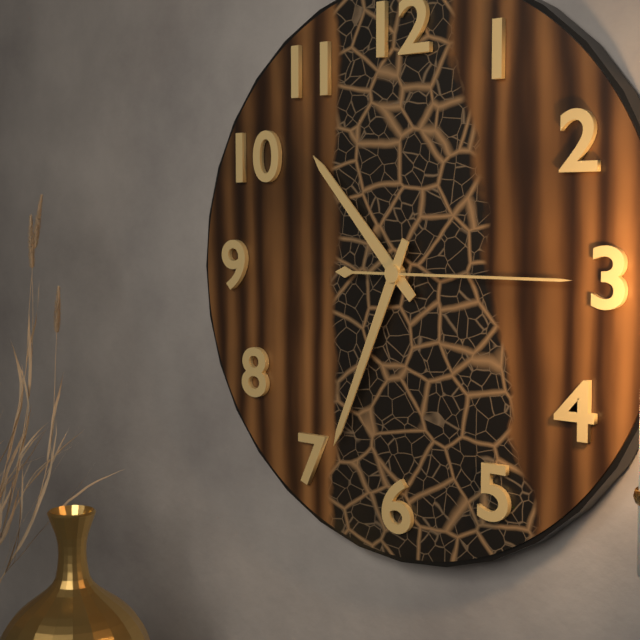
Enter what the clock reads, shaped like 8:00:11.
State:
10:34:15
